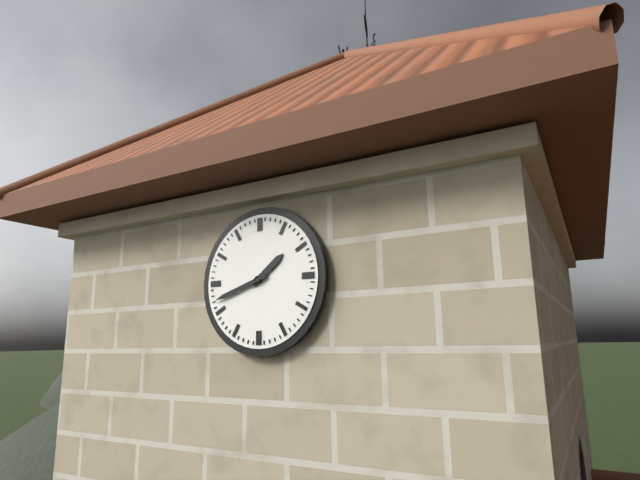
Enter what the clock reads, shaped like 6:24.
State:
1:42
